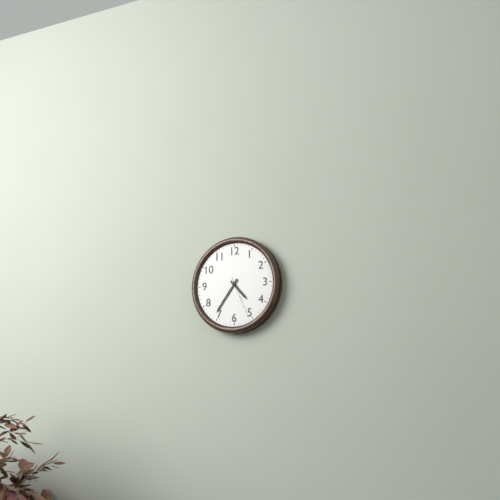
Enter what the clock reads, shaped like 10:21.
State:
4:36
